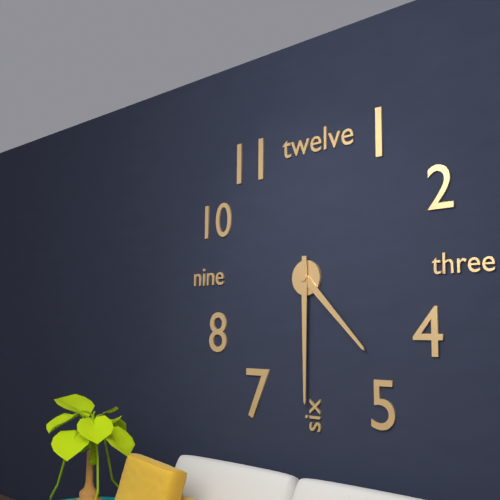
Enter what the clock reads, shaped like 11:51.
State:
4:30
